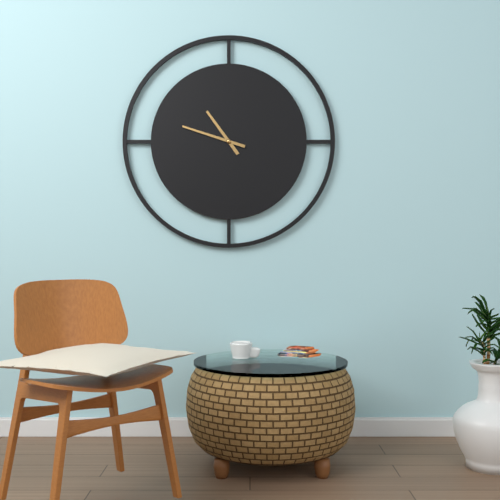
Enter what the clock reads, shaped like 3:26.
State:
10:48
